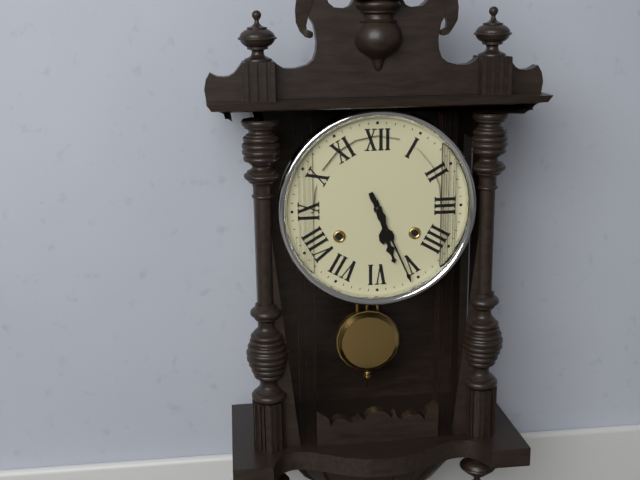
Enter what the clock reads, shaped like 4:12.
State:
5:26
